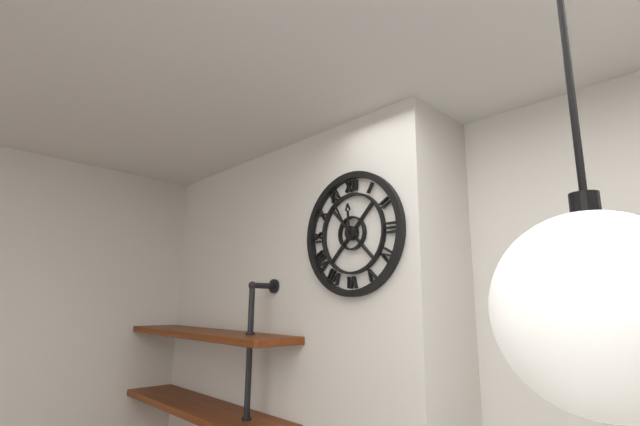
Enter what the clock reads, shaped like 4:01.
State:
11:55
